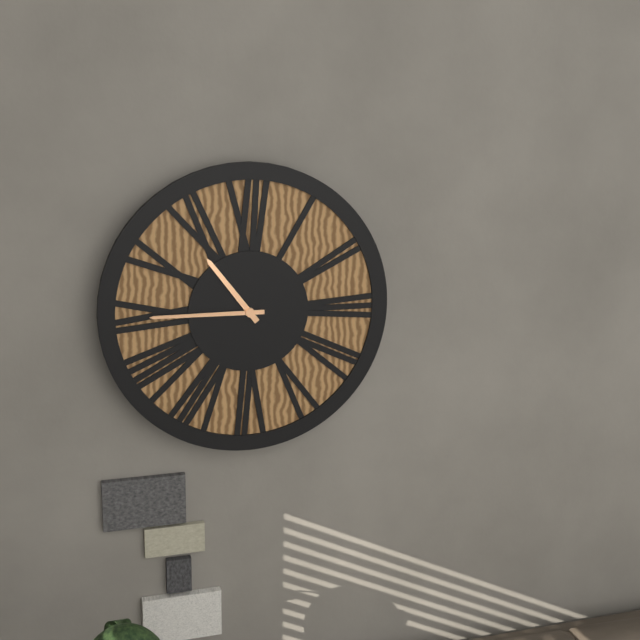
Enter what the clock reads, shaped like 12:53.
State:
10:45
